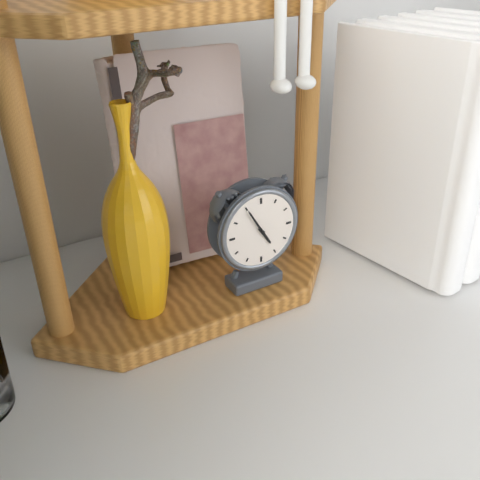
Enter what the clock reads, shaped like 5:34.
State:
4:55
